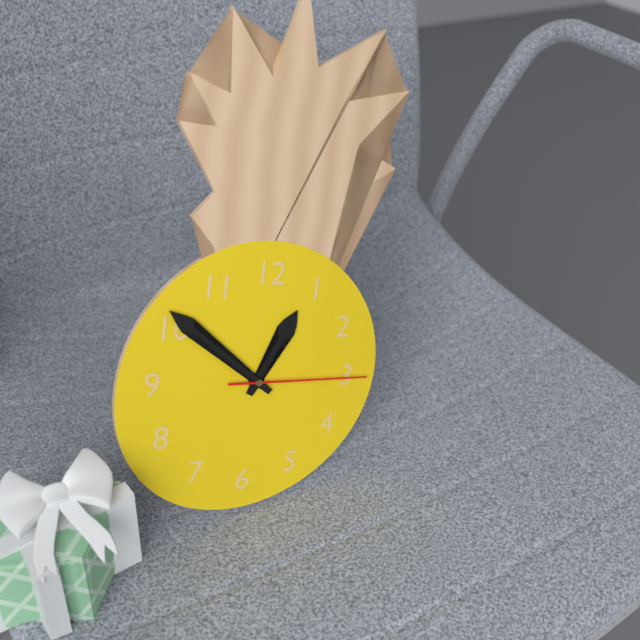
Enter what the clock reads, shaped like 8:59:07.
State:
12:51:15
